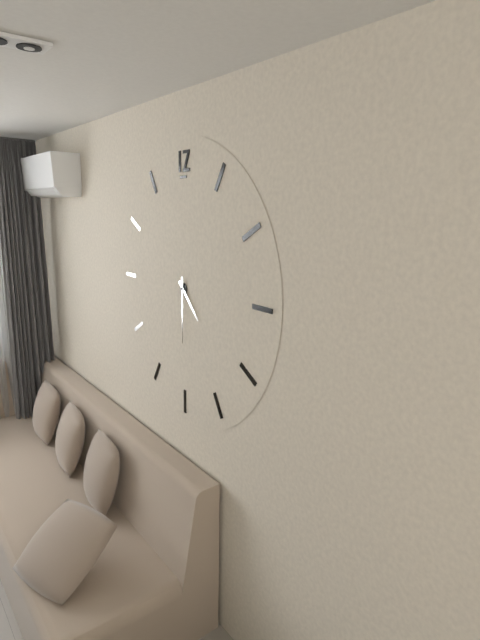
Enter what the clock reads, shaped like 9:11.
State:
4:30
